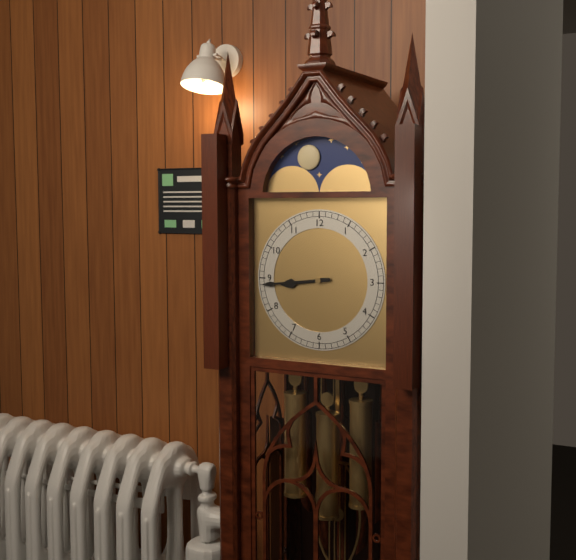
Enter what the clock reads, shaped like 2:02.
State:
8:44
